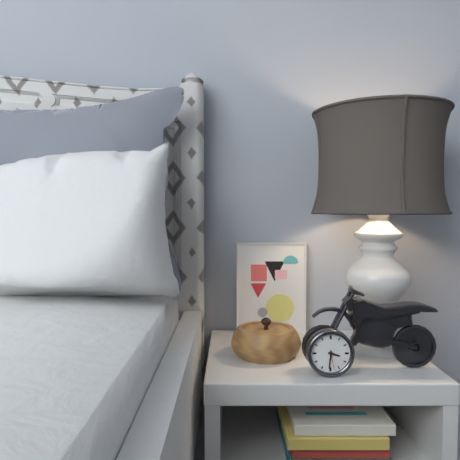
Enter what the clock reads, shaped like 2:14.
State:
3:31
